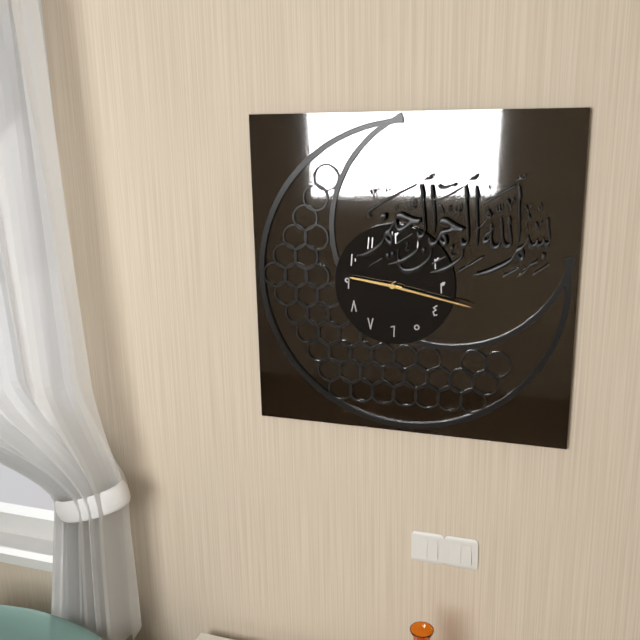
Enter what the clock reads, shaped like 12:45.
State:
9:17
